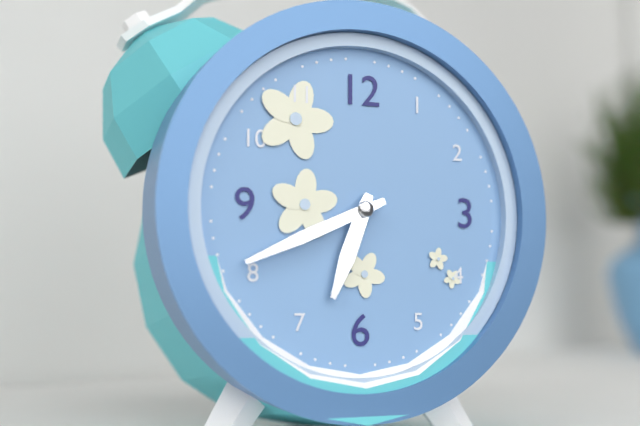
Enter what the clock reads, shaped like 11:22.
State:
6:41
